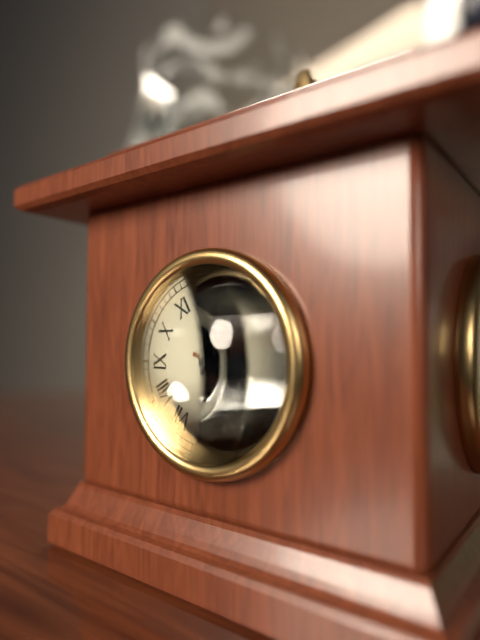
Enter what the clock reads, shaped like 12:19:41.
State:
1:03:21
